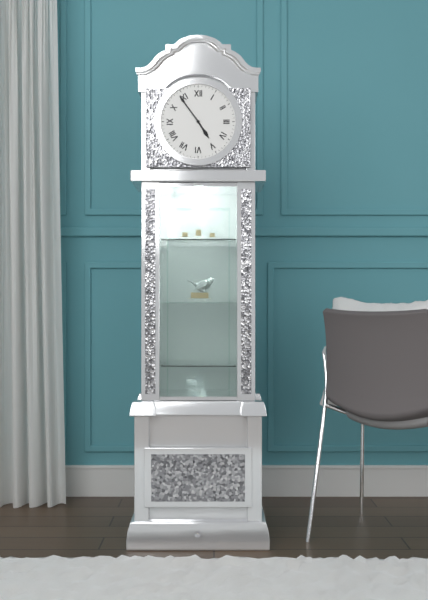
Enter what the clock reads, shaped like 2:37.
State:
4:54
